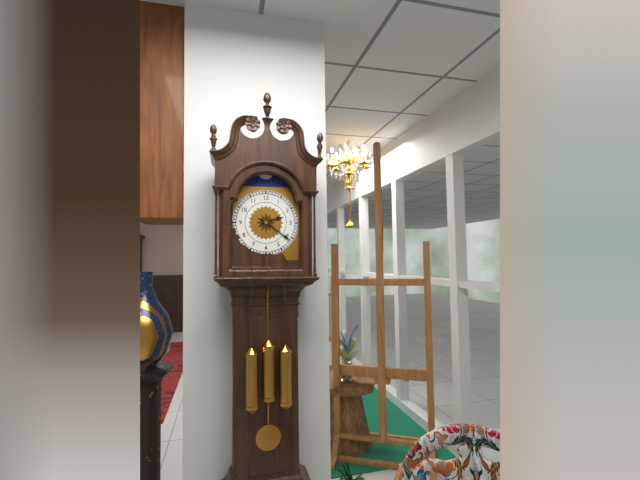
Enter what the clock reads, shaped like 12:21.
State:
2:21
